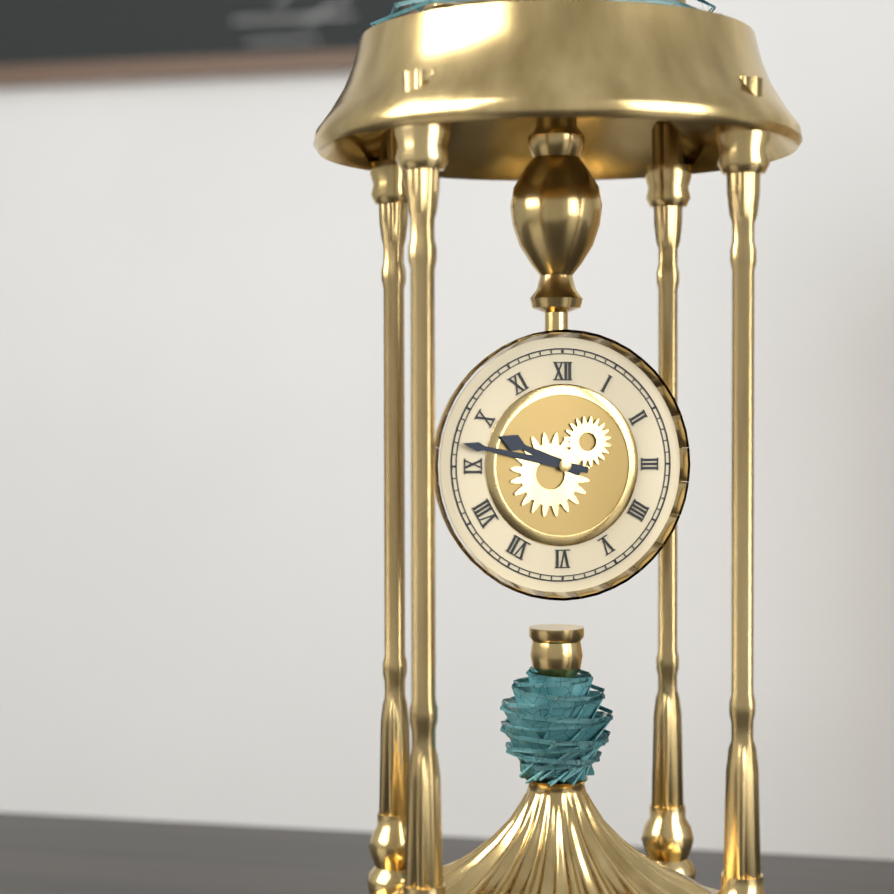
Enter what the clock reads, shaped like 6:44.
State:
9:47
